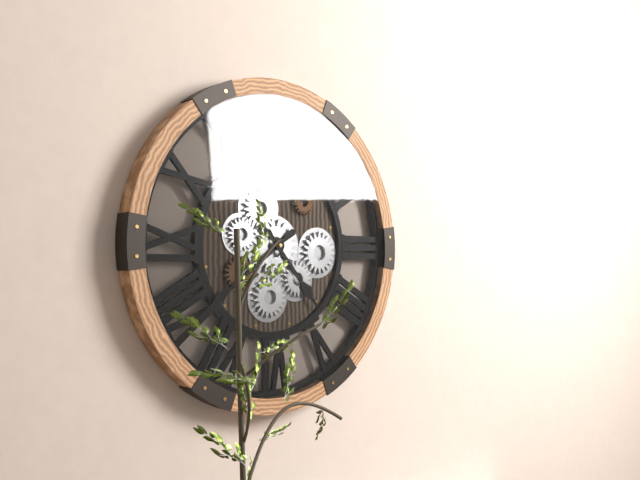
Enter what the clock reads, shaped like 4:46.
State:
4:39
